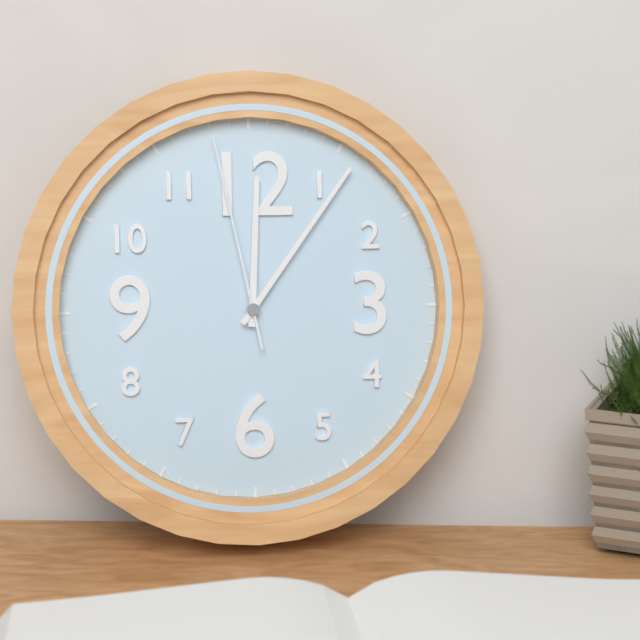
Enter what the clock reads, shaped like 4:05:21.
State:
12:06:58
